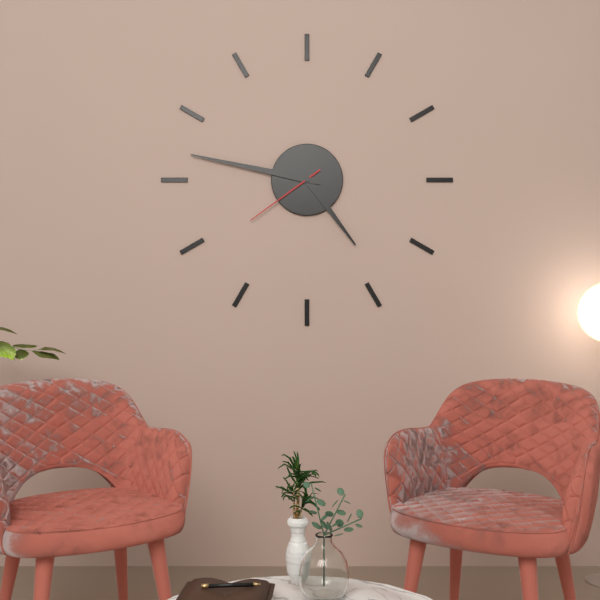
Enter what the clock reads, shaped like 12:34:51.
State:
4:47:39
